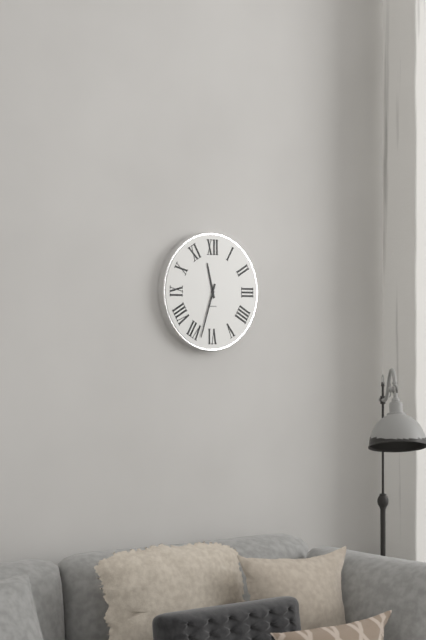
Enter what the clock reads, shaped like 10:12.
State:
11:33
